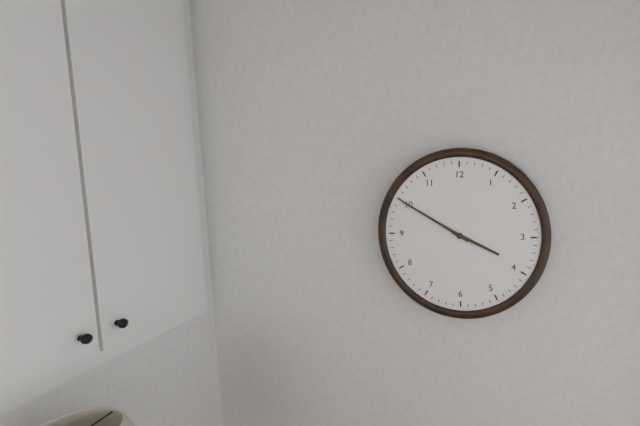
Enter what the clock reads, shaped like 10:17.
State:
3:50
